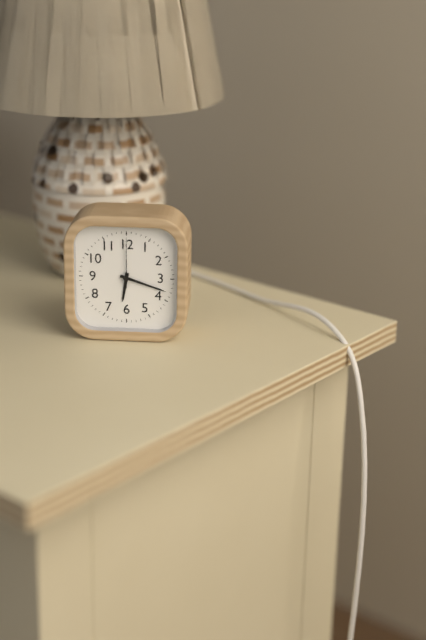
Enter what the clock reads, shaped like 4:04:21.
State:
6:18:00
